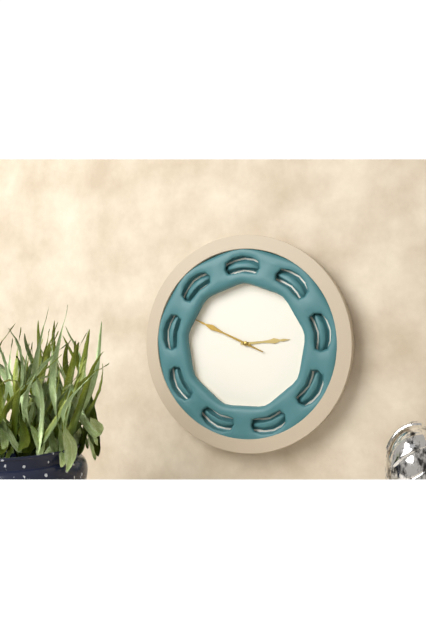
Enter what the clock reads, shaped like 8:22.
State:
2:49
